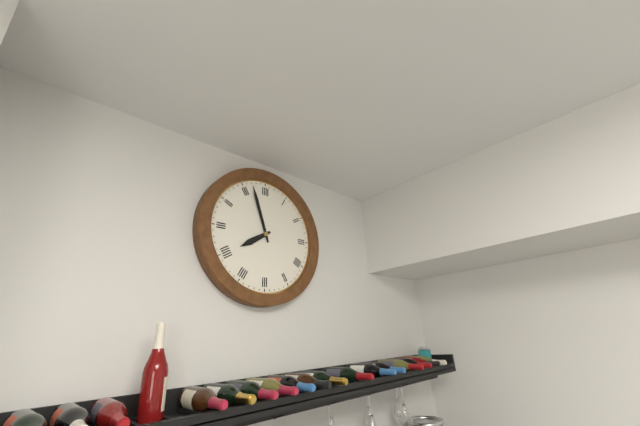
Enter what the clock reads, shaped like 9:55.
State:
7:57
